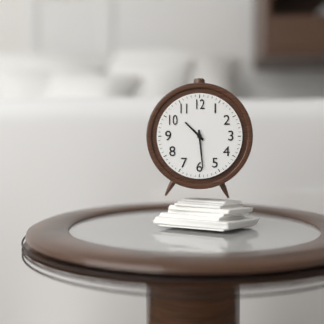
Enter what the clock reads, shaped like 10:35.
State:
10:29
